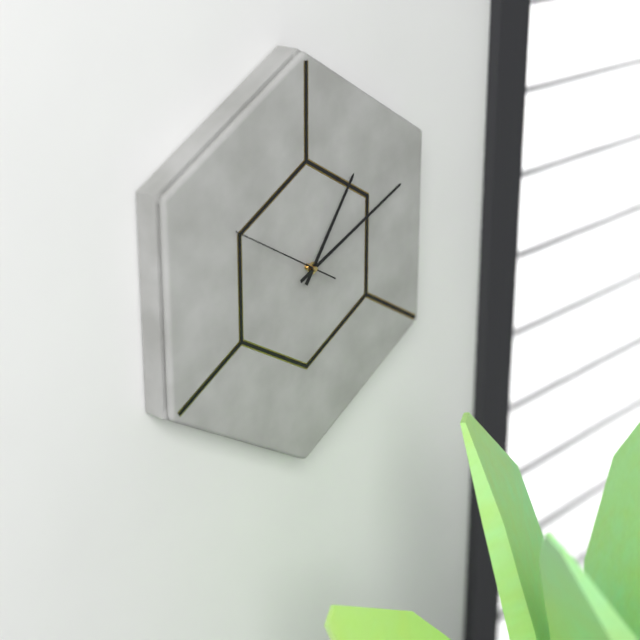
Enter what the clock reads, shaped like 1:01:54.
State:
1:11:50
